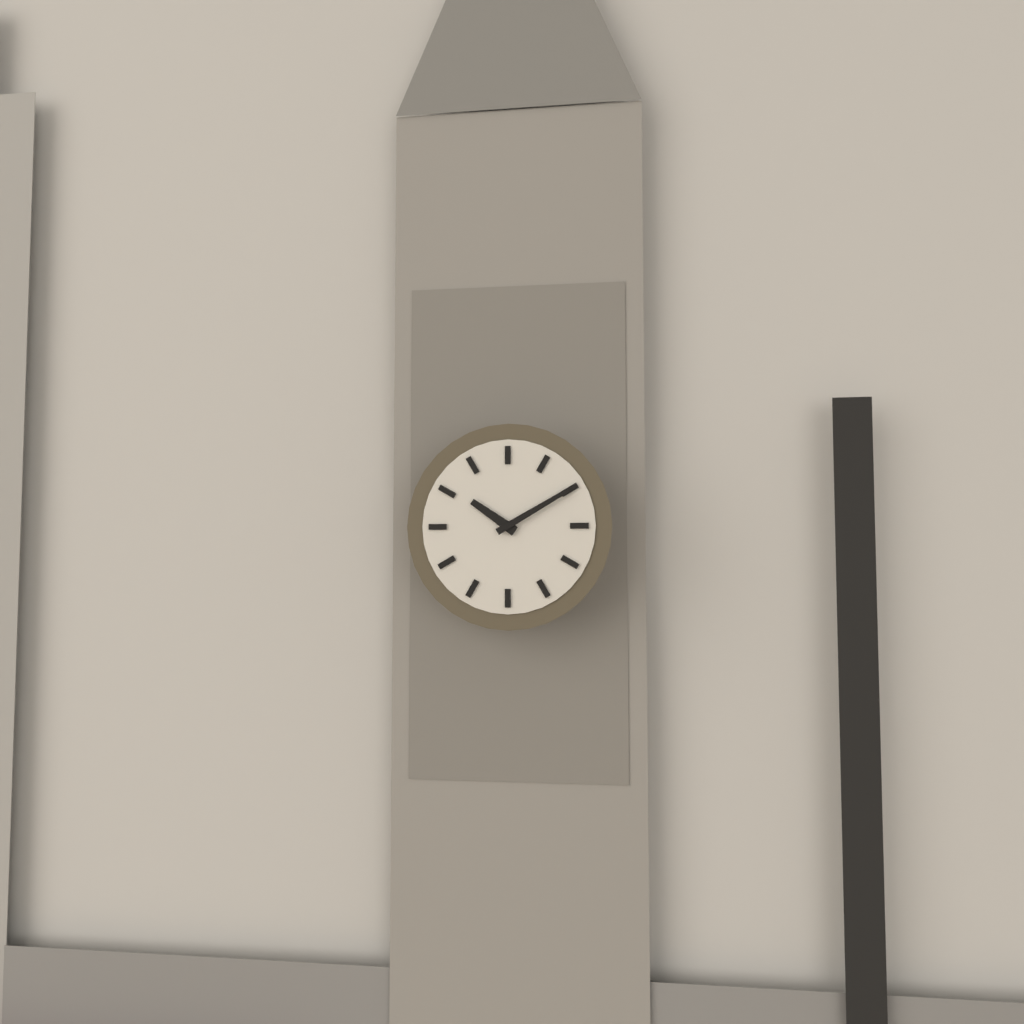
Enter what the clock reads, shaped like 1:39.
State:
10:10
